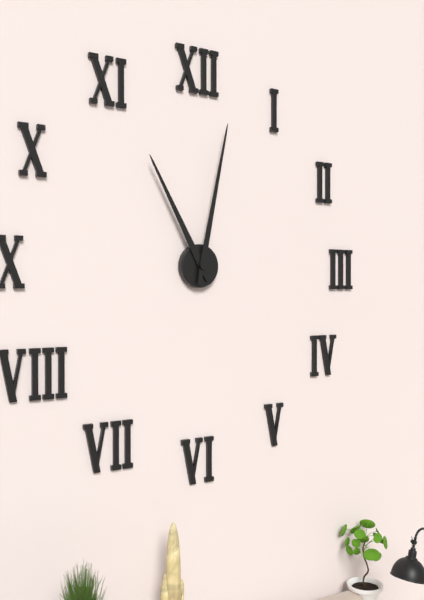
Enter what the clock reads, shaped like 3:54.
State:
11:02
